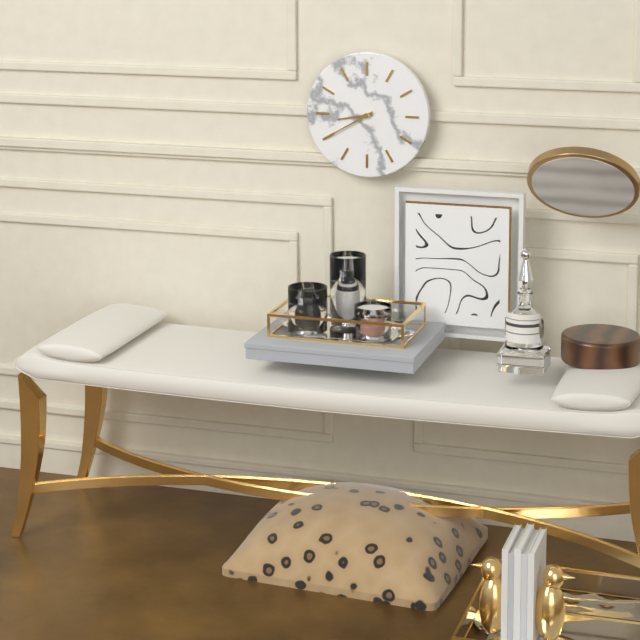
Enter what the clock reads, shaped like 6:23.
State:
8:40
